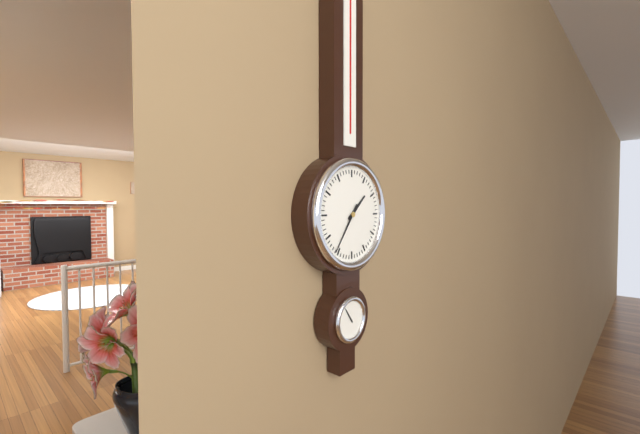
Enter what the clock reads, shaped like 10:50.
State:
1:36
